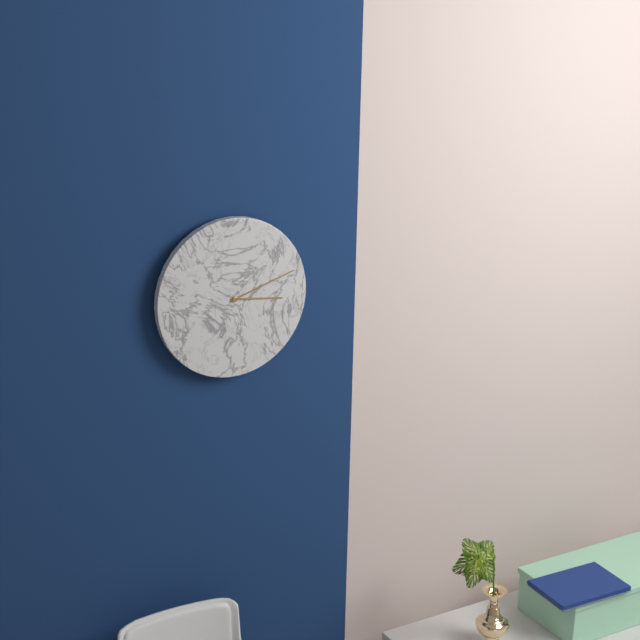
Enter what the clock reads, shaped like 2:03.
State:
3:12
